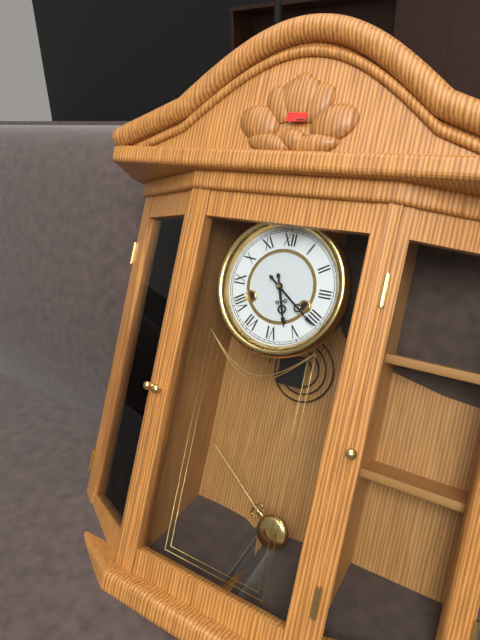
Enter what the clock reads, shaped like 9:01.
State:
5:21
